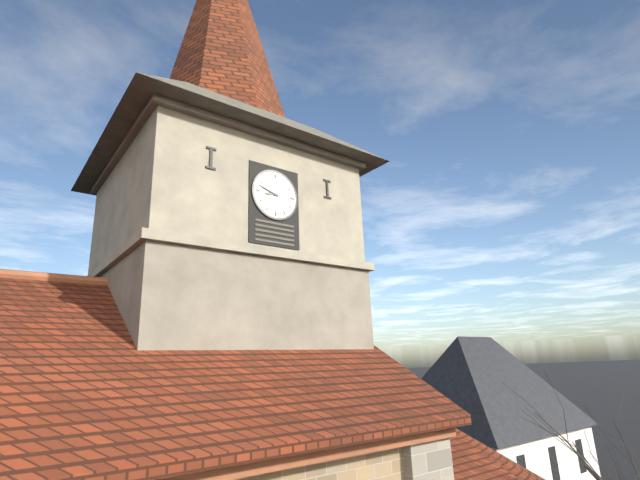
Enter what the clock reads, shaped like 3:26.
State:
8:48
